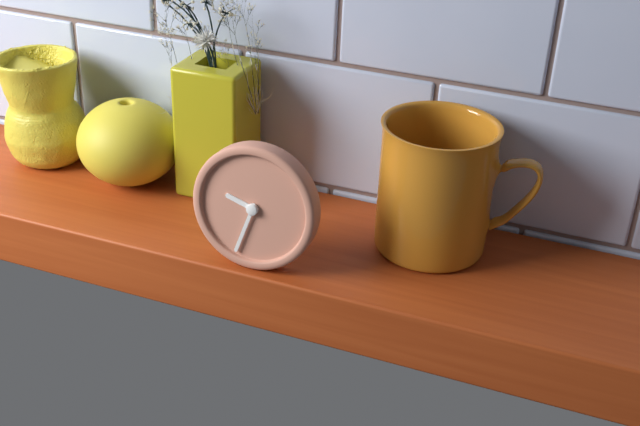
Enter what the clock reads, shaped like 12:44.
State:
9:33
